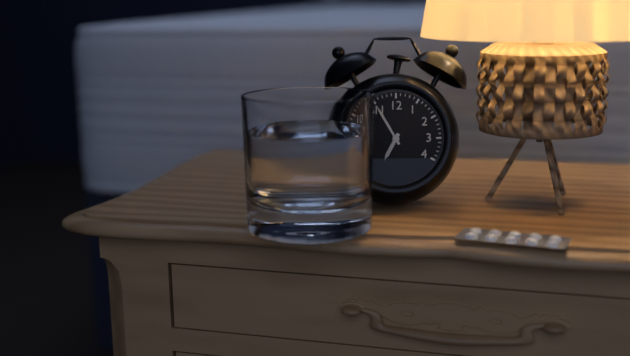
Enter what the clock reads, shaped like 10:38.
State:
6:55
